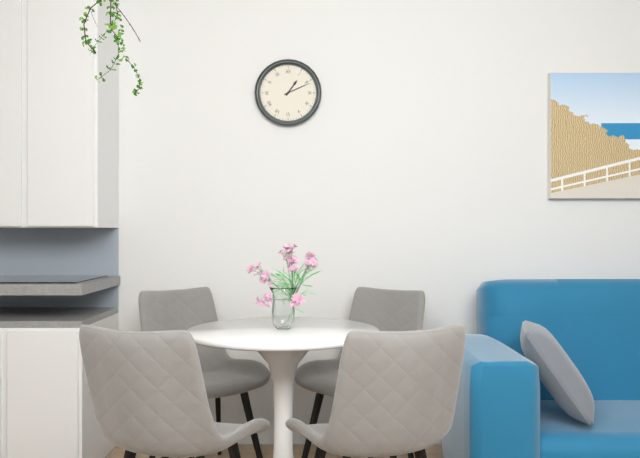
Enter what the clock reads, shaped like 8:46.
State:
1:11
